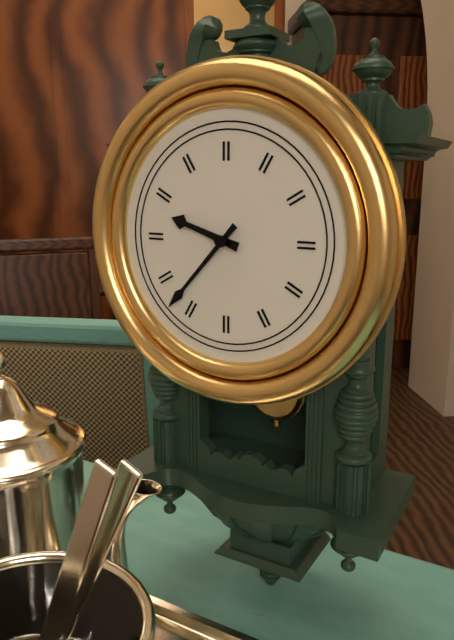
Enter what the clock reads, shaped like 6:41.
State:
9:37
